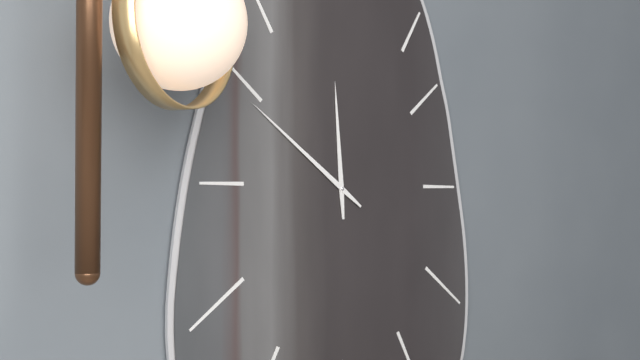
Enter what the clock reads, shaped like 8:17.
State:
11:51
